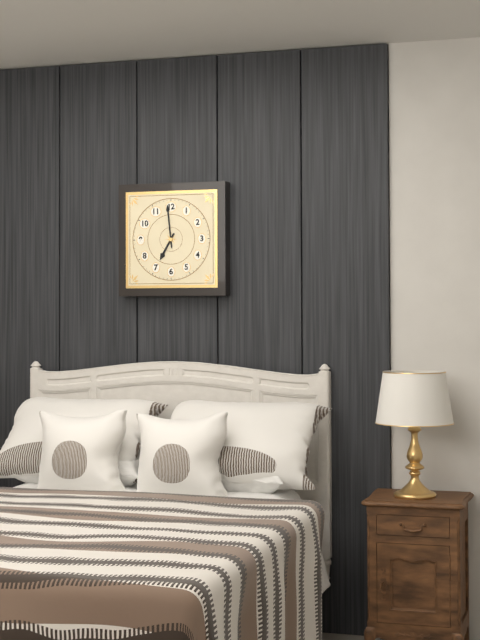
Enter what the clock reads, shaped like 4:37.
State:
6:59
